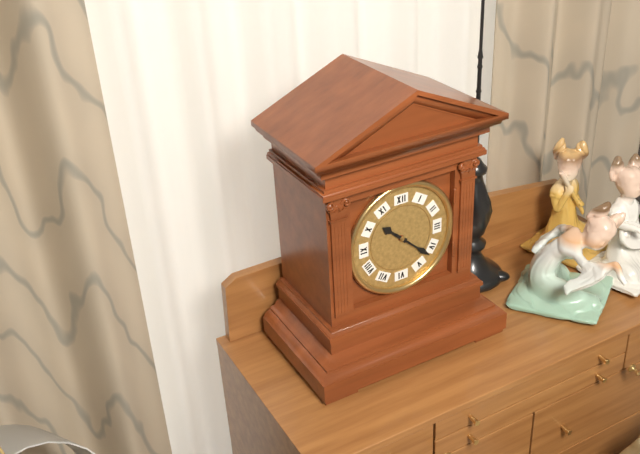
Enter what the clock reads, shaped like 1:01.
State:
10:22
